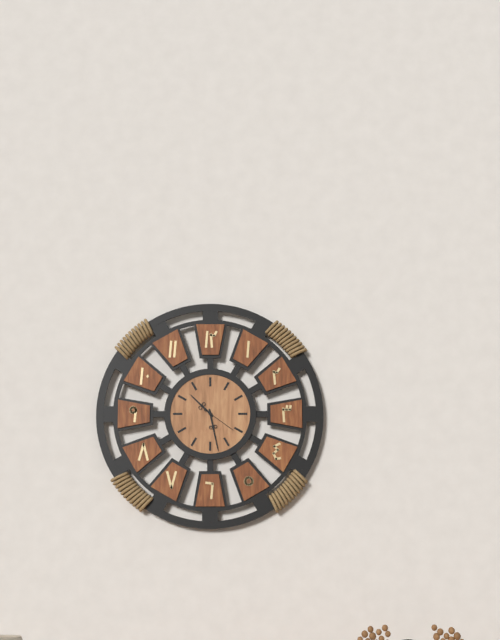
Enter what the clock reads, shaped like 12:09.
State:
10:28
